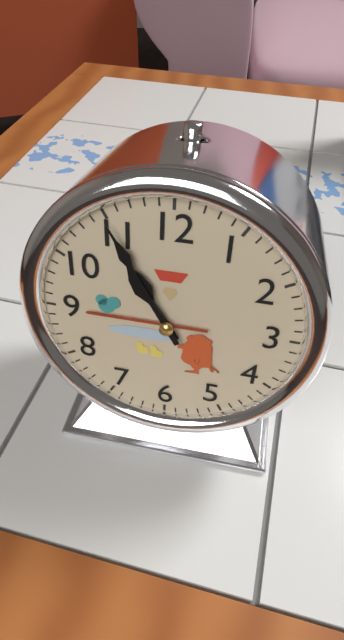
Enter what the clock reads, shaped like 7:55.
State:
10:55
